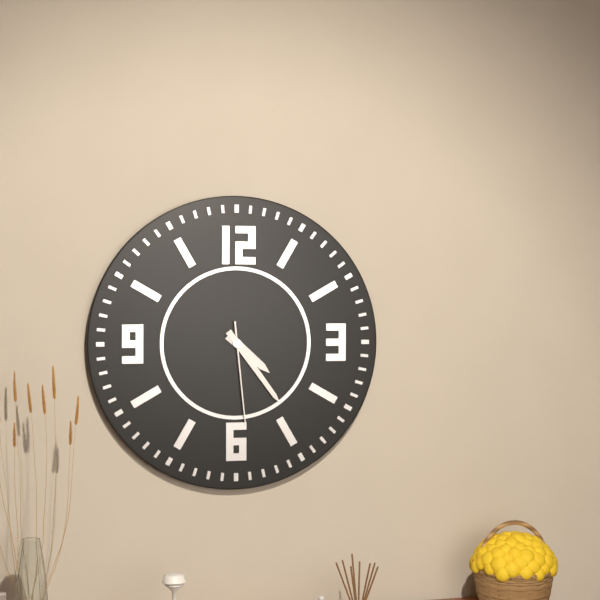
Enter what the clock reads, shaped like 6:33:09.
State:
4:24:29
